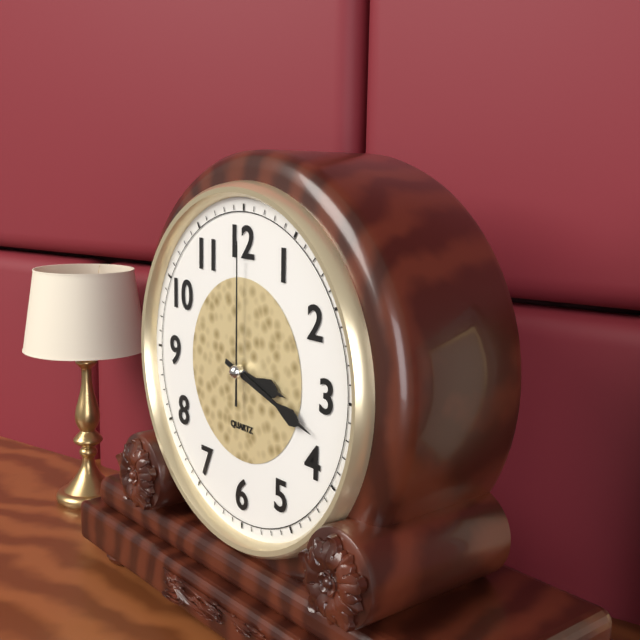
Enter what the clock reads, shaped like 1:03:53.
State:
3:18:00
